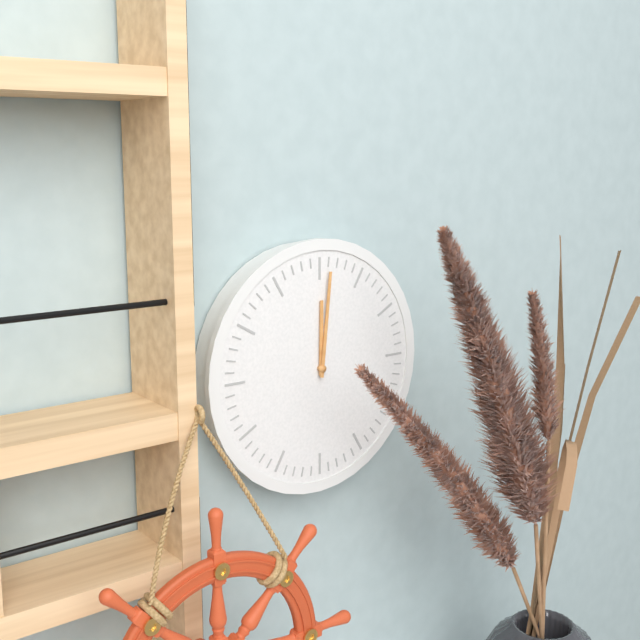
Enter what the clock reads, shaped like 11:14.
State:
12:01
